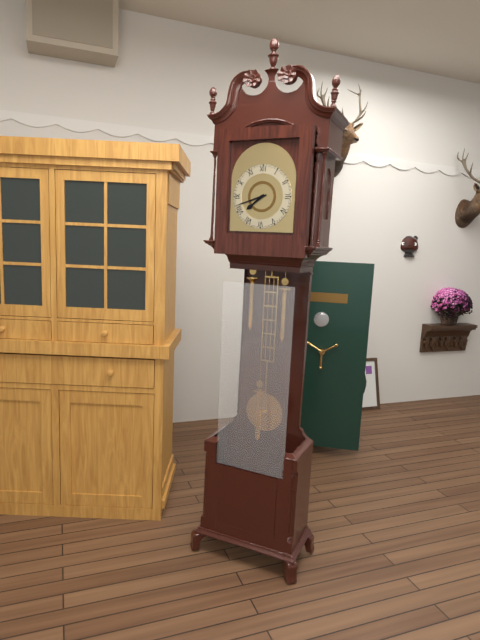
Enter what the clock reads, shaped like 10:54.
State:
7:42
